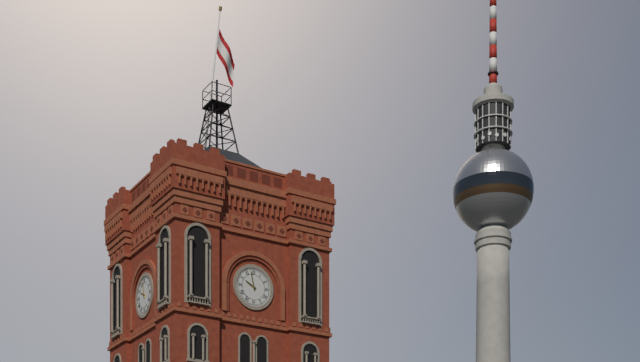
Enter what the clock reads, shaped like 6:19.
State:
9:58
